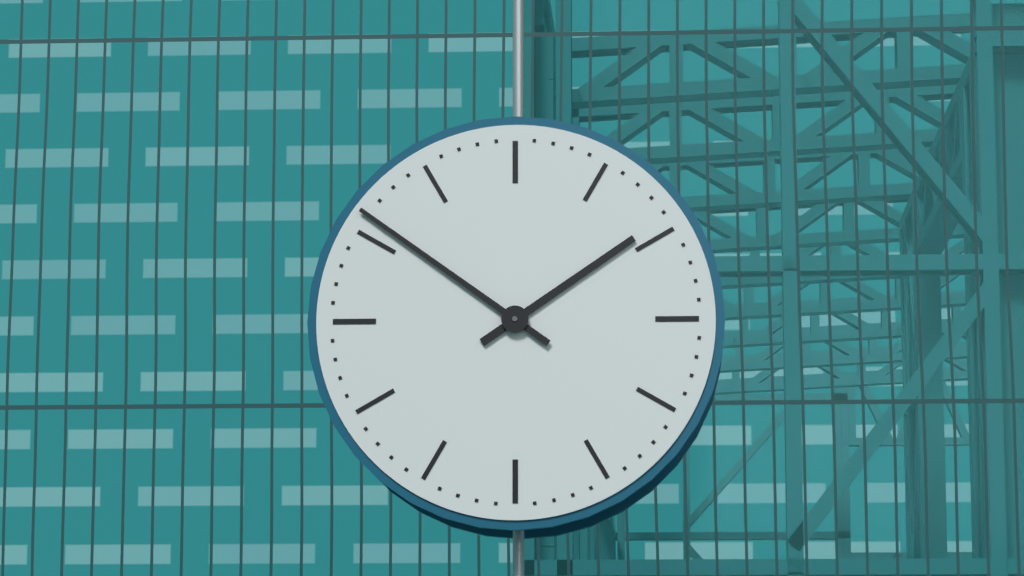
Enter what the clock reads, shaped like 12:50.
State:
1:51
